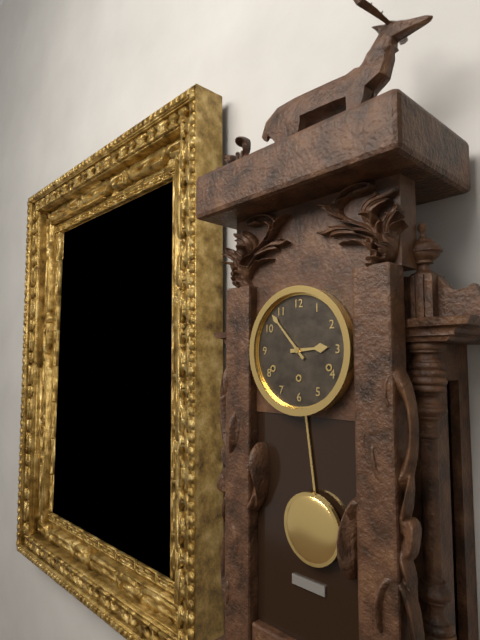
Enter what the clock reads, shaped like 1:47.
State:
2:53
